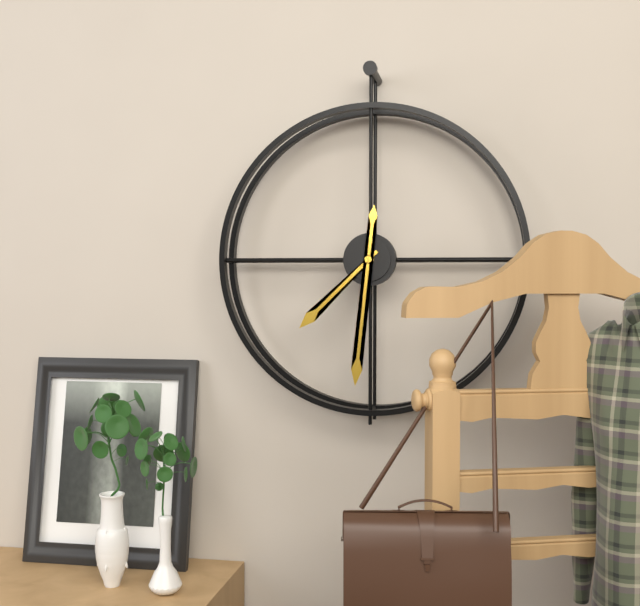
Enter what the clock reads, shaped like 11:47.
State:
7:31
